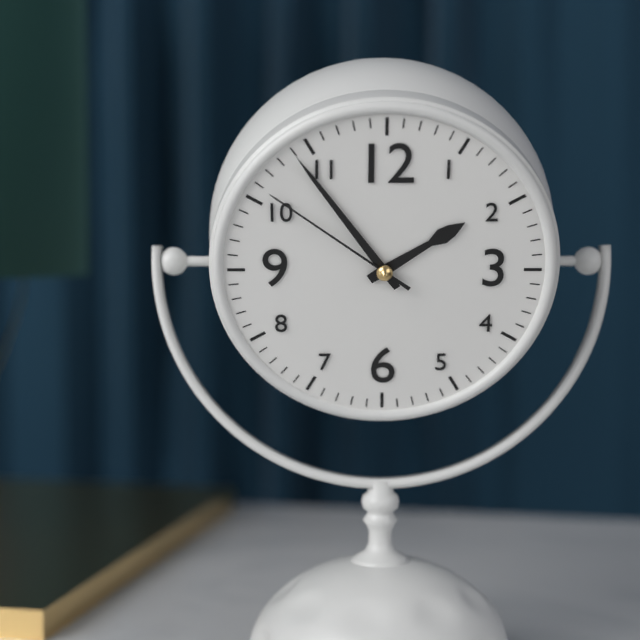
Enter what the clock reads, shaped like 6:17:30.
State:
1:54:51
